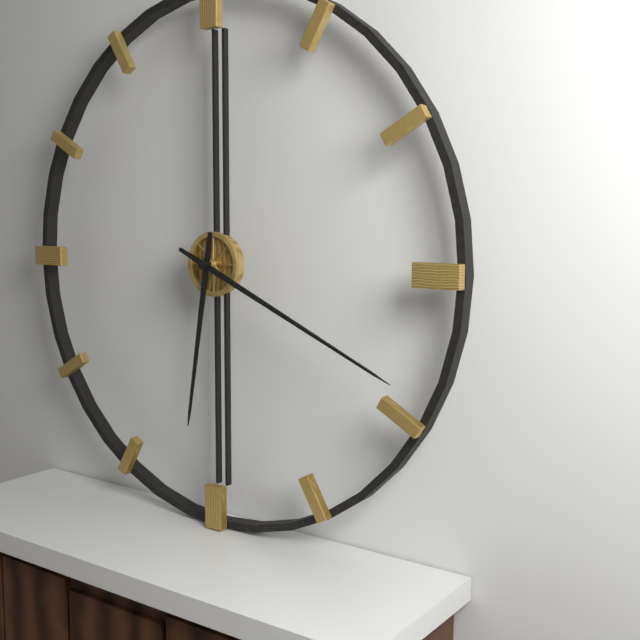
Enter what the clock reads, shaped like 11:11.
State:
6:19
